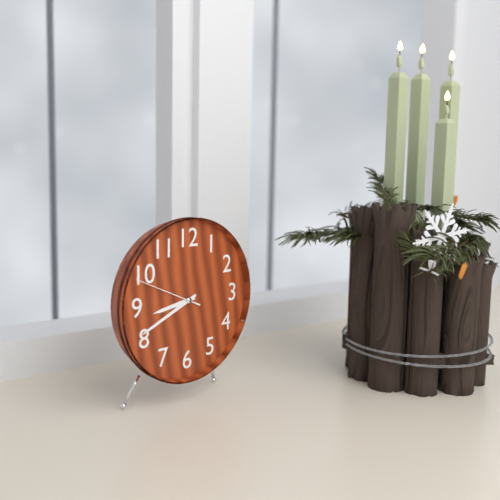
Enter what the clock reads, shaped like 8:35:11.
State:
8:41:49
